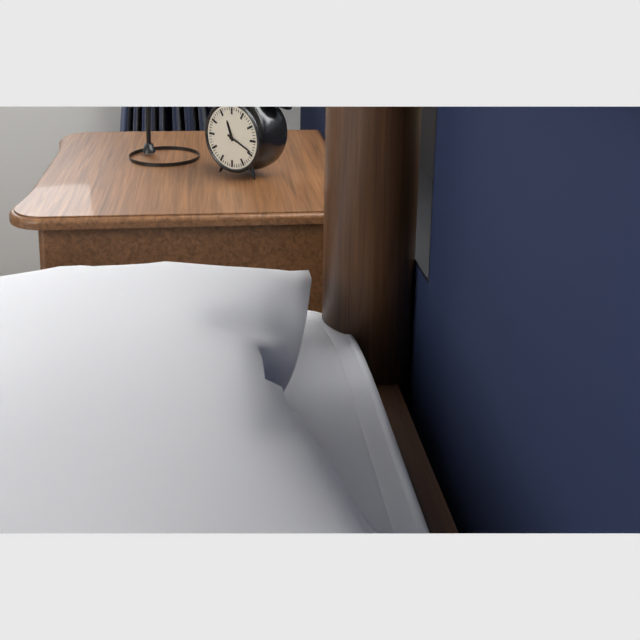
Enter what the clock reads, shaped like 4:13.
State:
11:19
